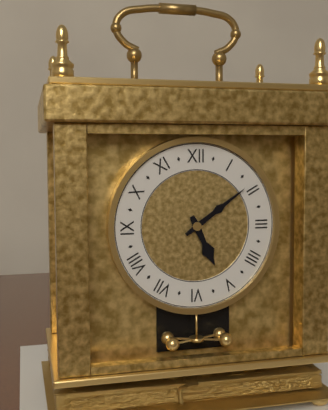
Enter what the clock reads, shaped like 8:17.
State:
5:09
